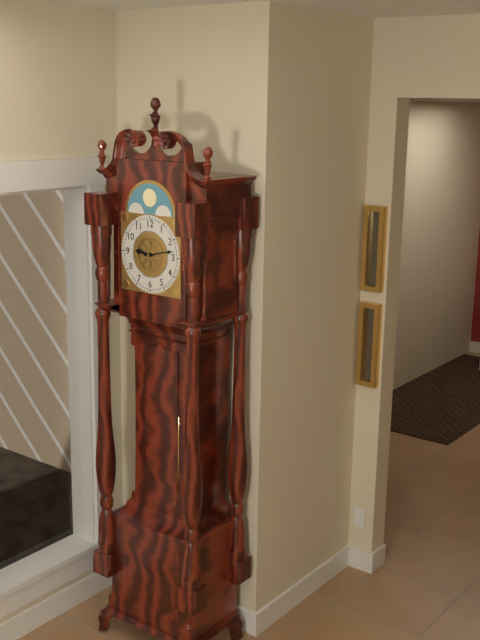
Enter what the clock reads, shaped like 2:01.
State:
9:13
